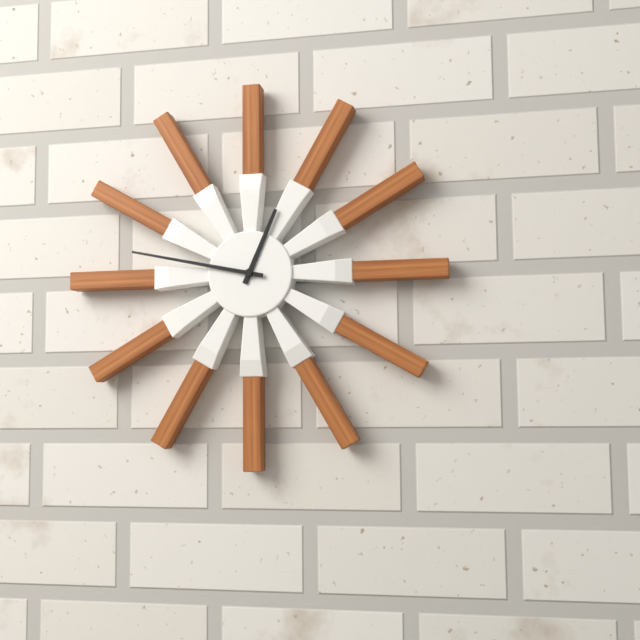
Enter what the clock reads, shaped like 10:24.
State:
12:47
